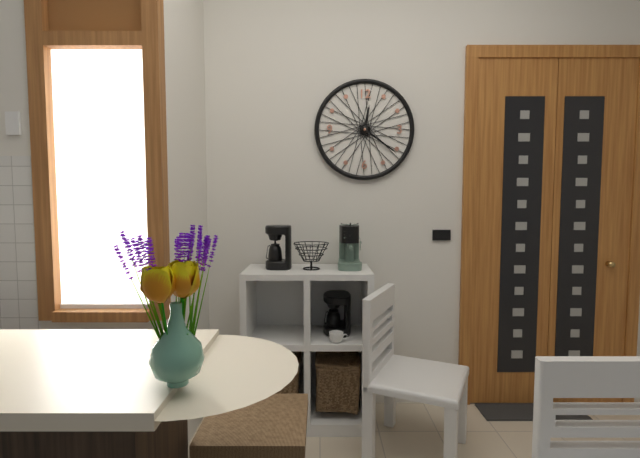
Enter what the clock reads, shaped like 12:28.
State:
12:21
